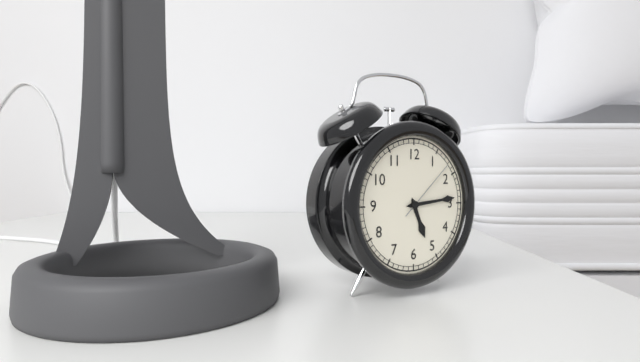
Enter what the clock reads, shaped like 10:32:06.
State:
5:14:08
